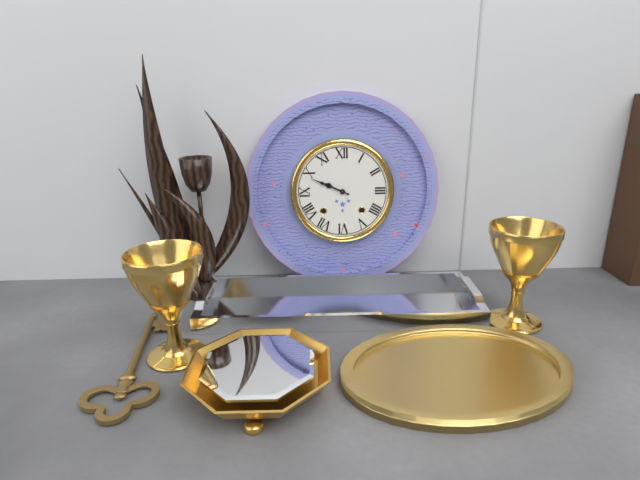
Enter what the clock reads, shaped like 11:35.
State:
9:49
